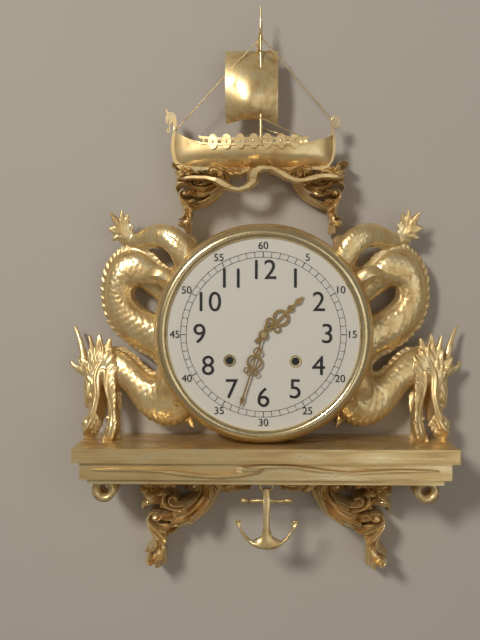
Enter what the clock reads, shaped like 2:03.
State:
1:33
